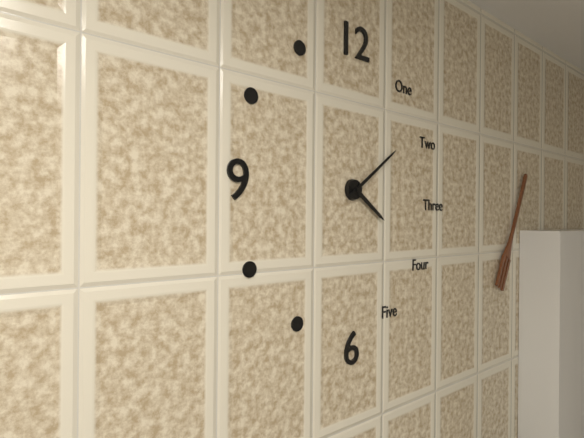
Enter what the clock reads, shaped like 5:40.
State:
4:09
